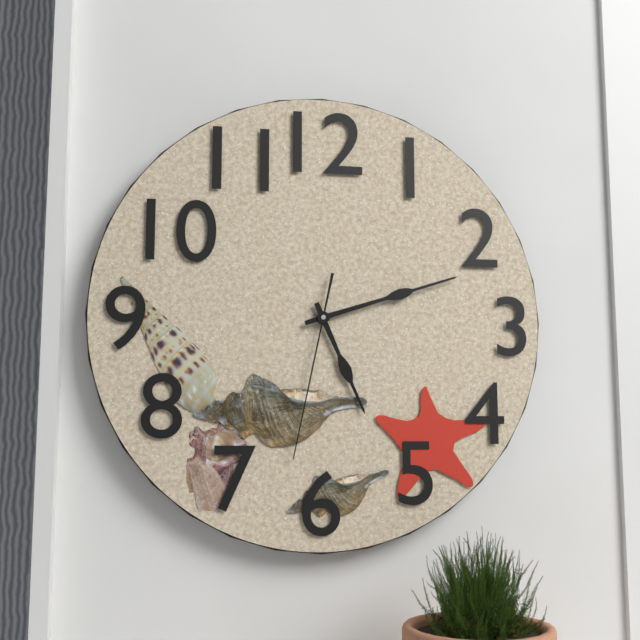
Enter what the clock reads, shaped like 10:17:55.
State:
5:12:32
